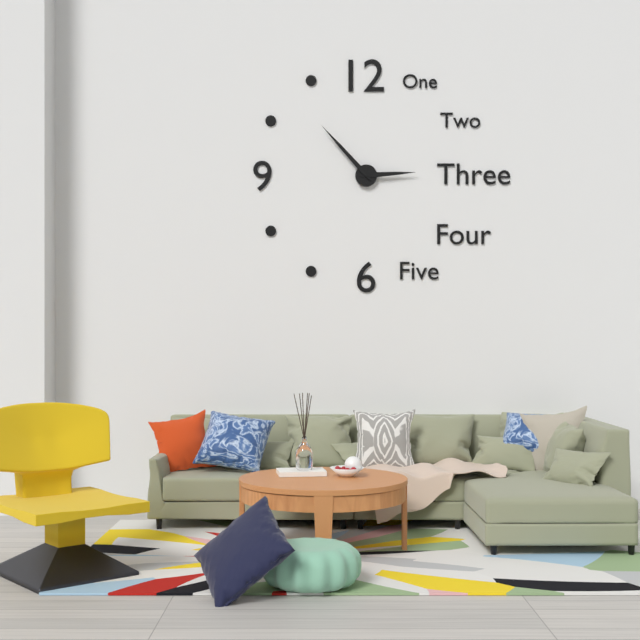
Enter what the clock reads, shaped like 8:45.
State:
2:53
